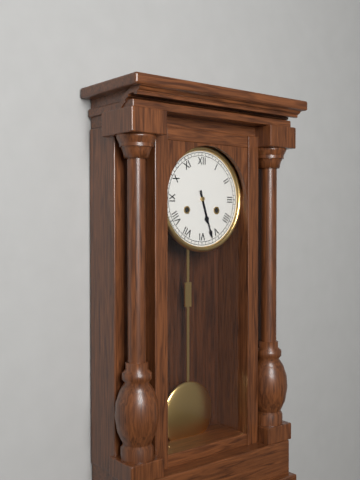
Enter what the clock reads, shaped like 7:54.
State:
5:27
